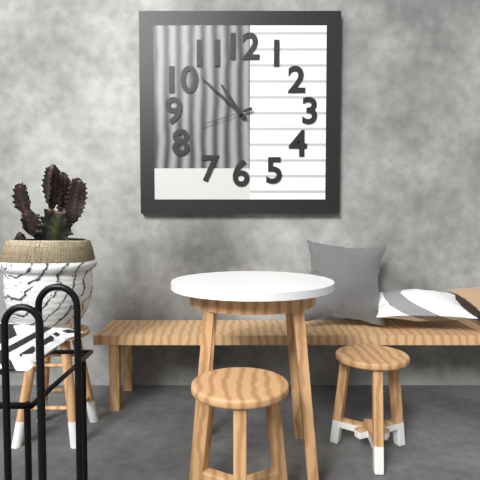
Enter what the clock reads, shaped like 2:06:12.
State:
10:52:42
